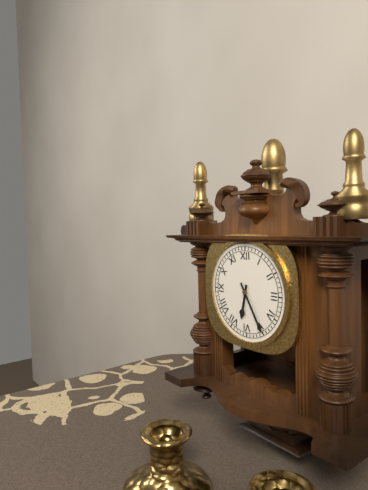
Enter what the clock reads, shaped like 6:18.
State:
6:25
